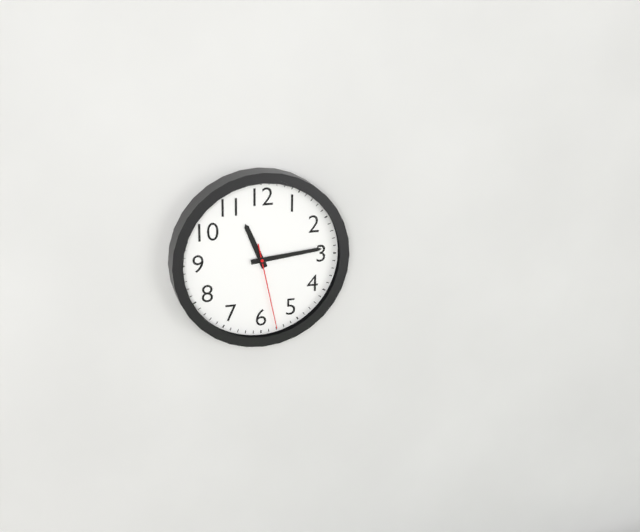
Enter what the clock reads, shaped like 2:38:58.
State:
11:14:28
